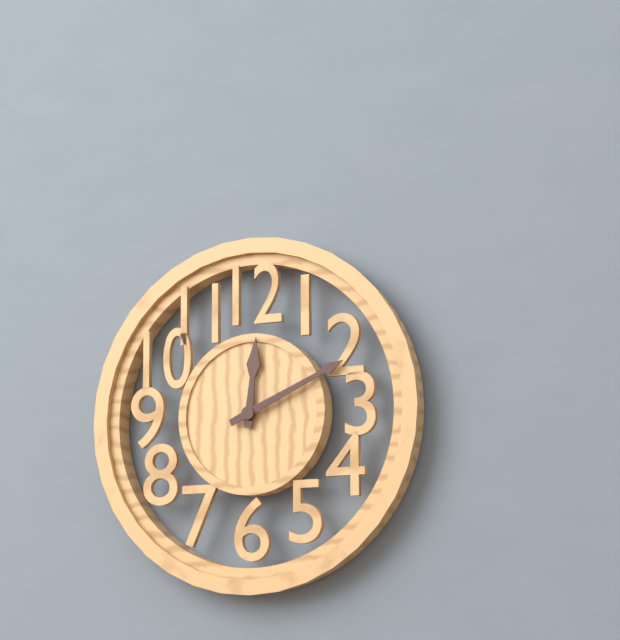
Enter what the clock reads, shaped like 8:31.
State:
12:11
